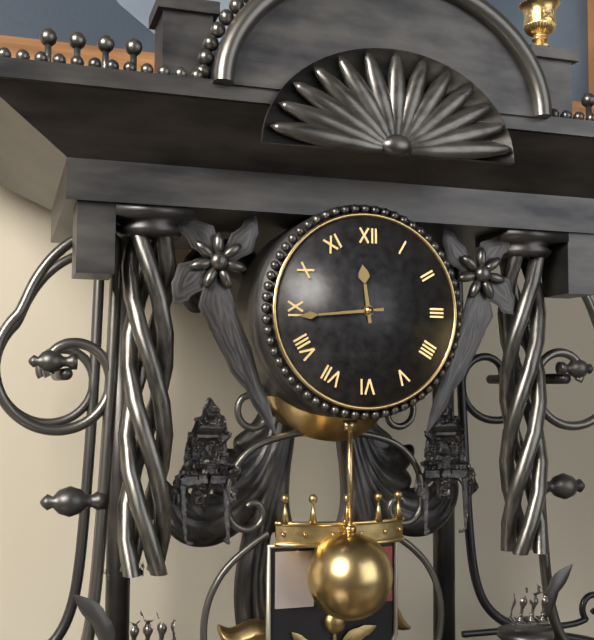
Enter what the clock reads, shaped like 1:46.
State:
11:44
